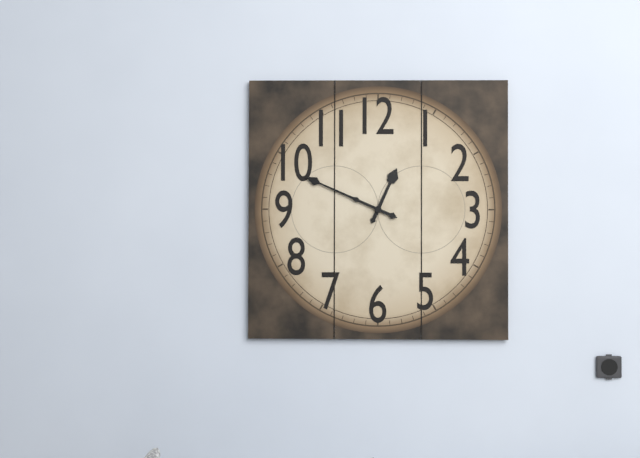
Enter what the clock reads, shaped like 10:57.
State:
12:49
